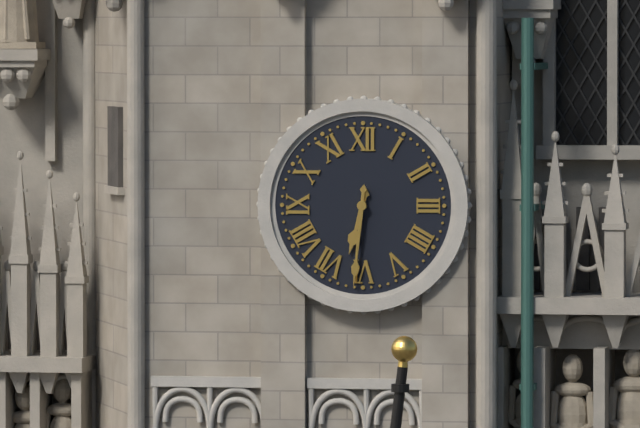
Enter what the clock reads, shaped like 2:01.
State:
6:31
